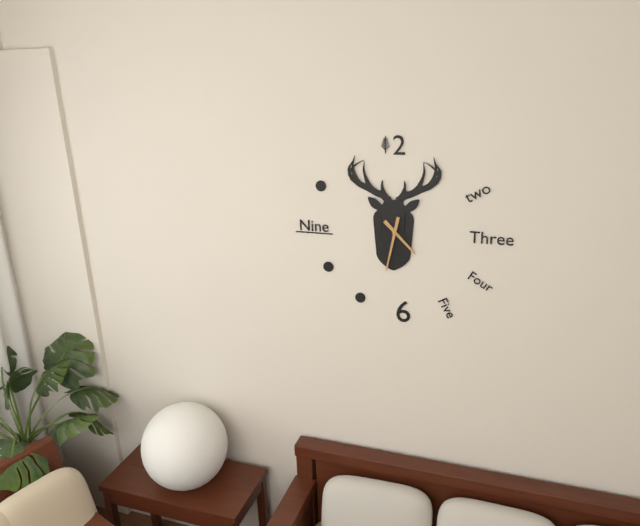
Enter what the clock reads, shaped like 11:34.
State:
4:32
